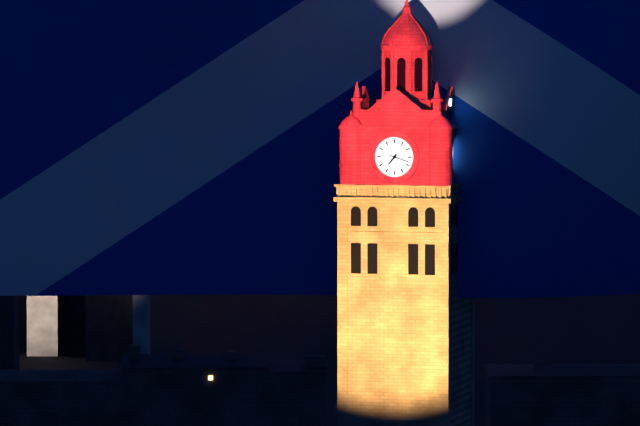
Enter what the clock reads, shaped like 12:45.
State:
7:18
